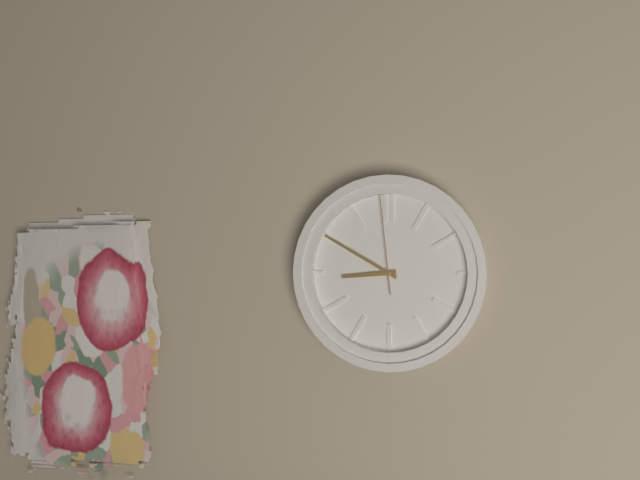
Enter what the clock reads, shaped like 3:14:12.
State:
8:50:59
